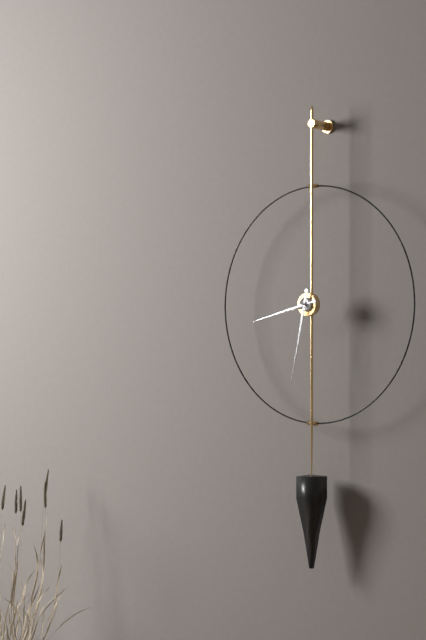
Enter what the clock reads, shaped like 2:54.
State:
8:32
